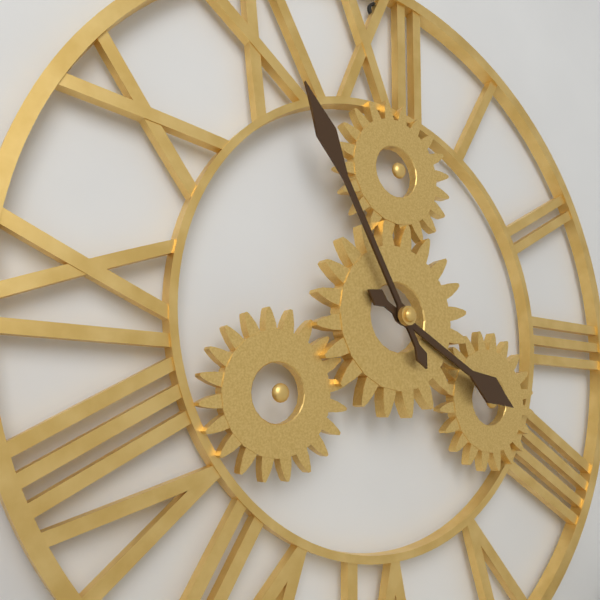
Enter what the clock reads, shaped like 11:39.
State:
3:55
